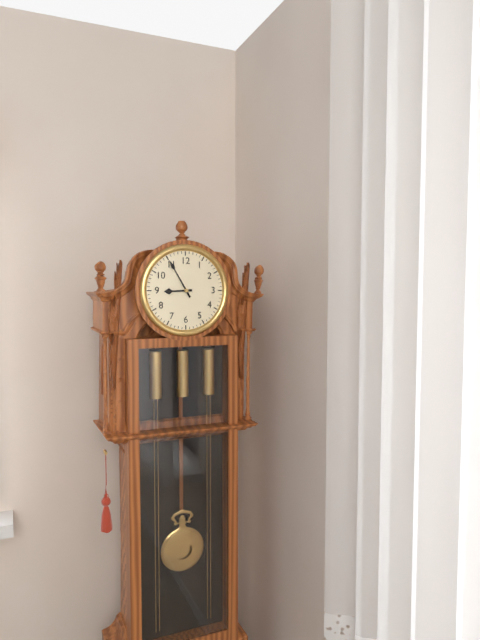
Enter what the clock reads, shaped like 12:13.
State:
8:55
